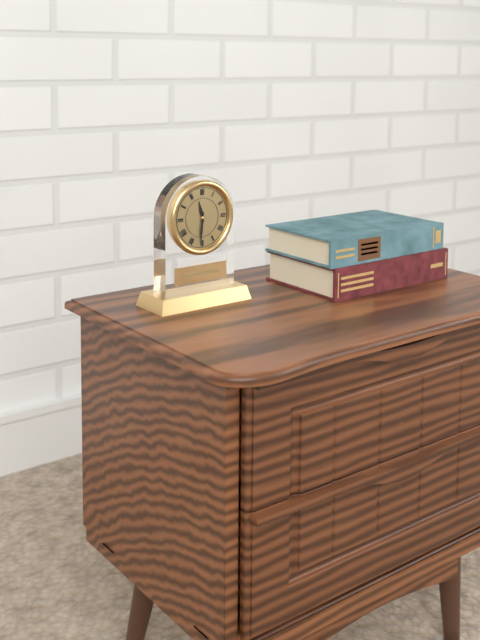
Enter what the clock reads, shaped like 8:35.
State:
11:31
